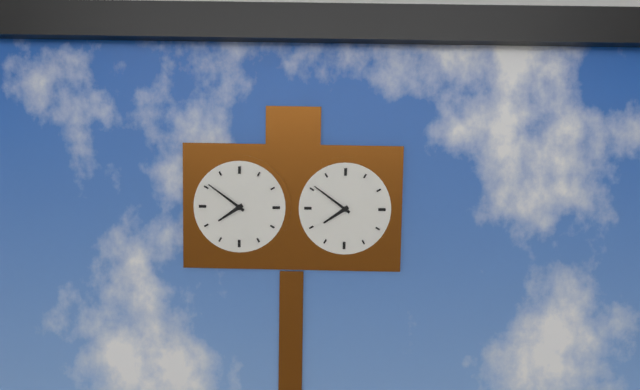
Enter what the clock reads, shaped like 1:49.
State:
7:51
